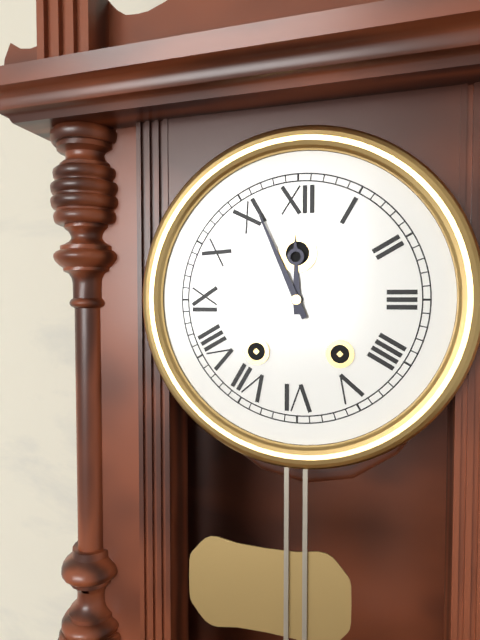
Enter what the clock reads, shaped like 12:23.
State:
11:56
